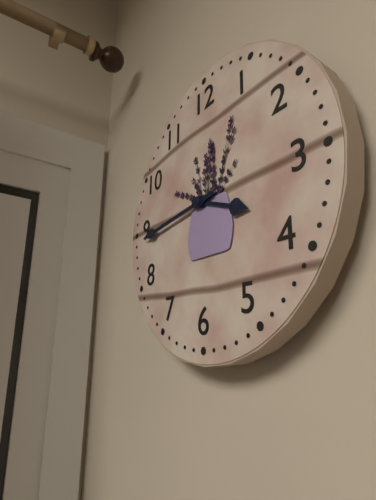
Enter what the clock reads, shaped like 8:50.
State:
3:44
